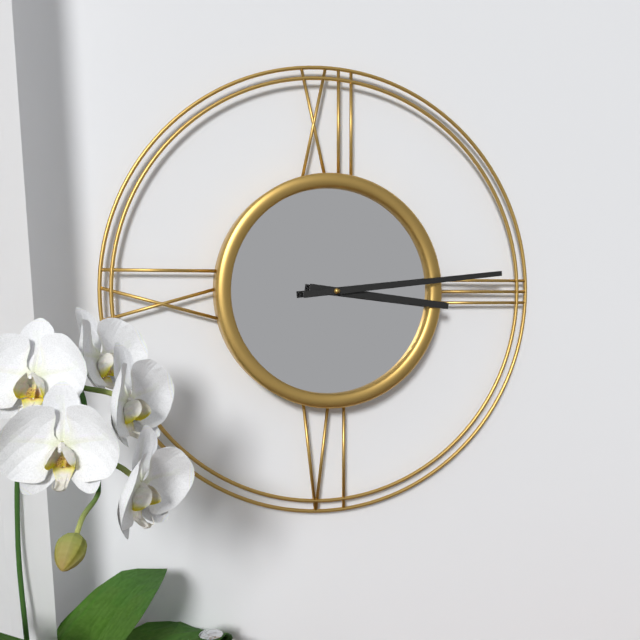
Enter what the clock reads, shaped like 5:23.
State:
3:14
